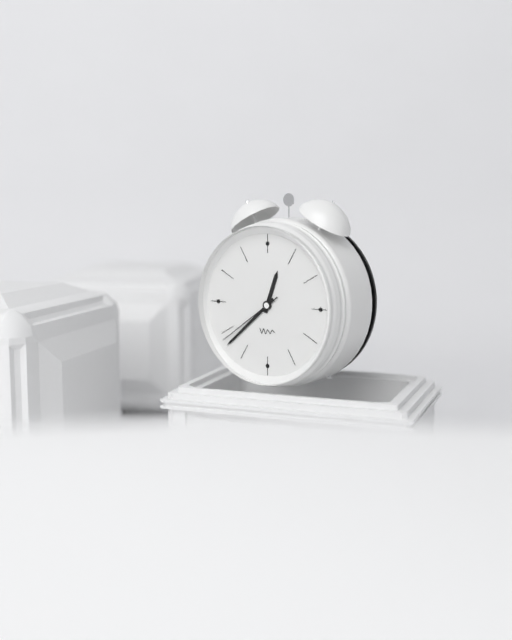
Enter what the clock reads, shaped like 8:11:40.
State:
12:38:39
